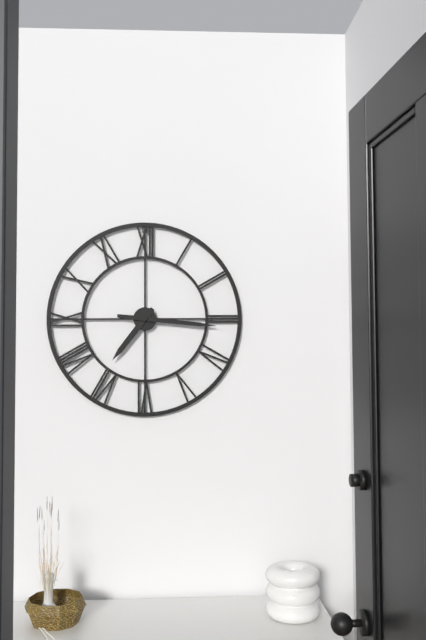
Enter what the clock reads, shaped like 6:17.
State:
7:16
